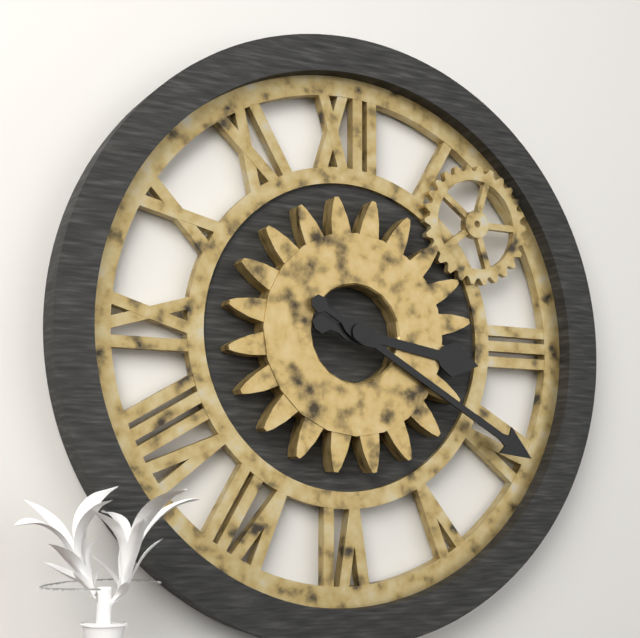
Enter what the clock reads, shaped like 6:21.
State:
3:20
